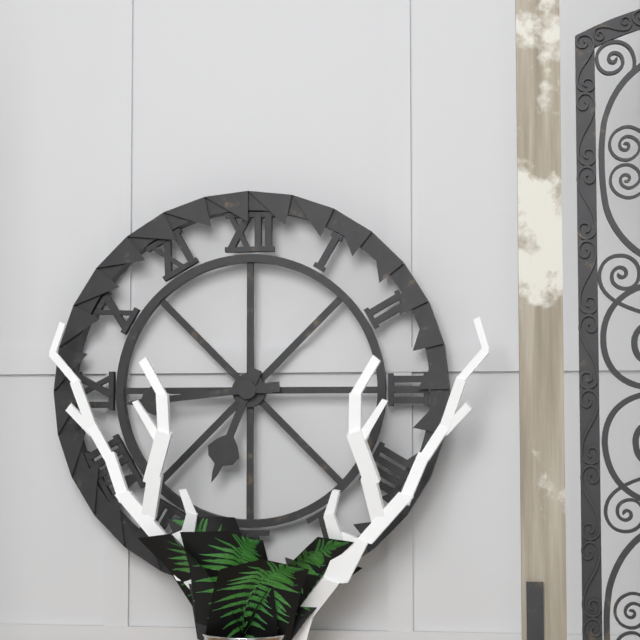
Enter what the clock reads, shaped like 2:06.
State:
6:44
